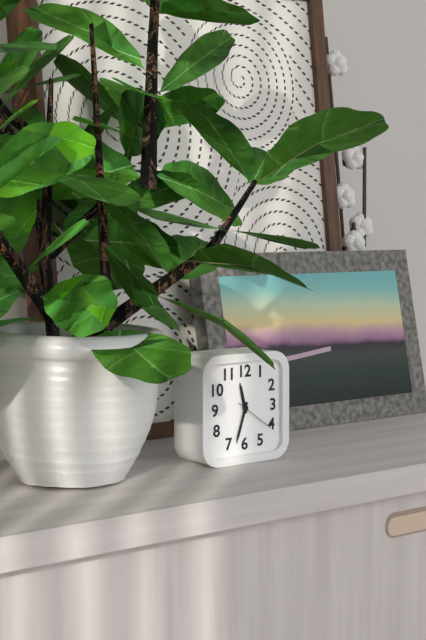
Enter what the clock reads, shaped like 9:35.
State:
11:33
